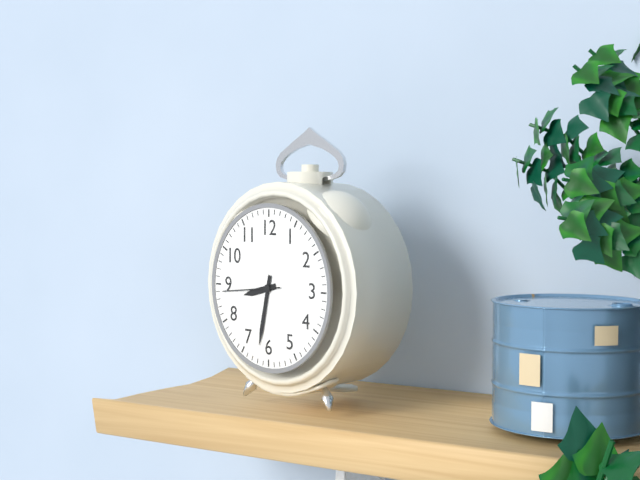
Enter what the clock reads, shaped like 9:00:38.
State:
8:32:44
